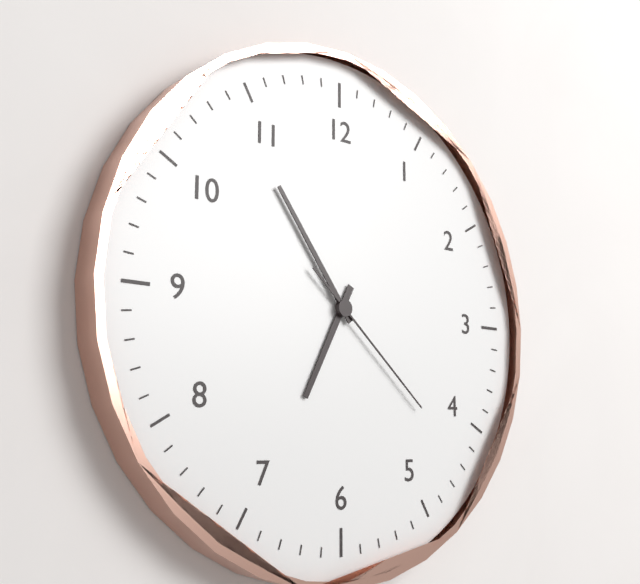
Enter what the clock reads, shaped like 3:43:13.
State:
6:54:22
